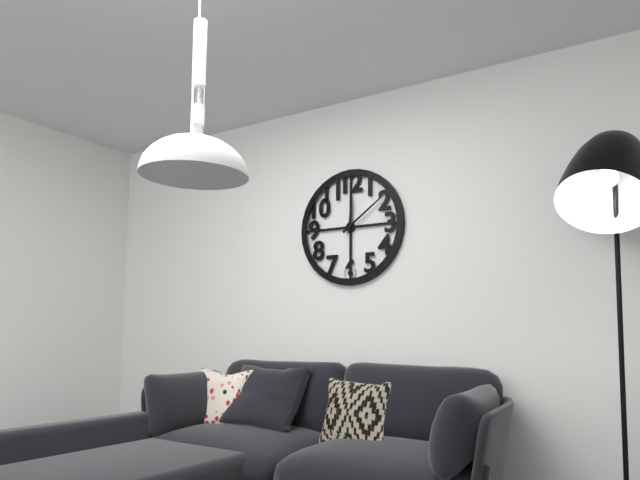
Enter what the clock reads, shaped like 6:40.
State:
12:09
